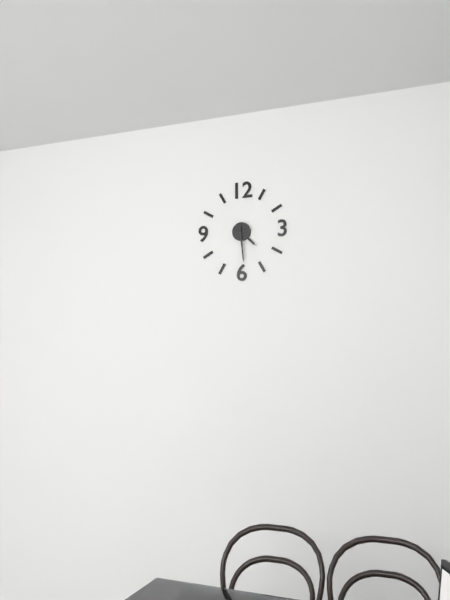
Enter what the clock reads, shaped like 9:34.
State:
4:29
